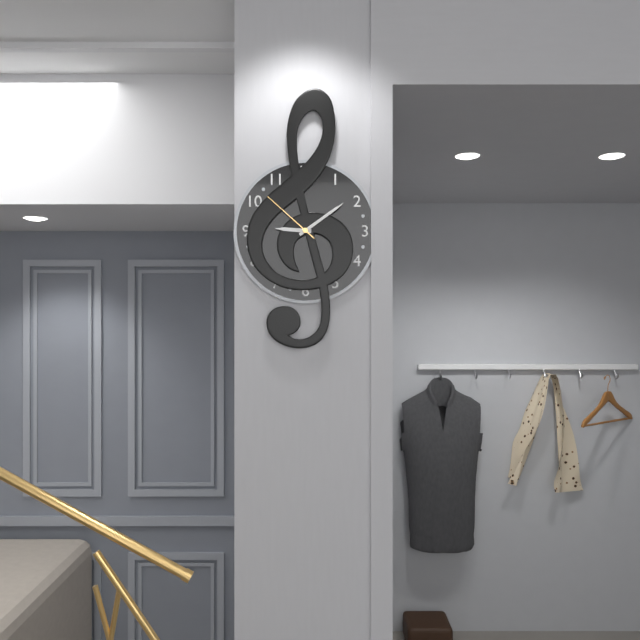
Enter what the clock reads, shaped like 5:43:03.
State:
9:09:52
